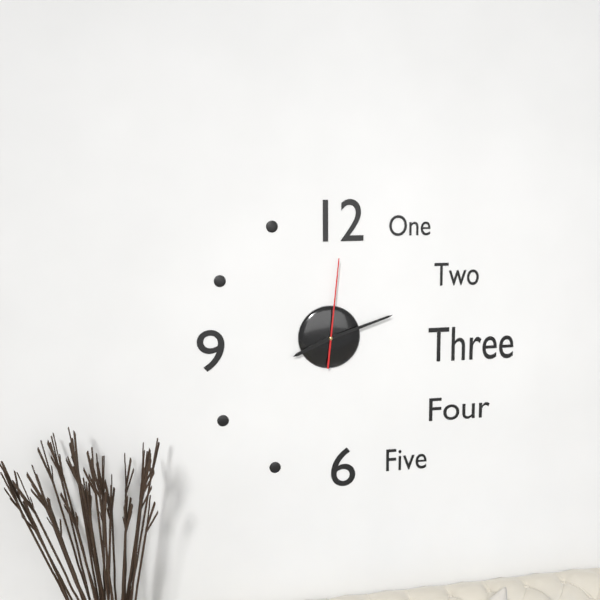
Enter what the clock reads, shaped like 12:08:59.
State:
8:12:01
